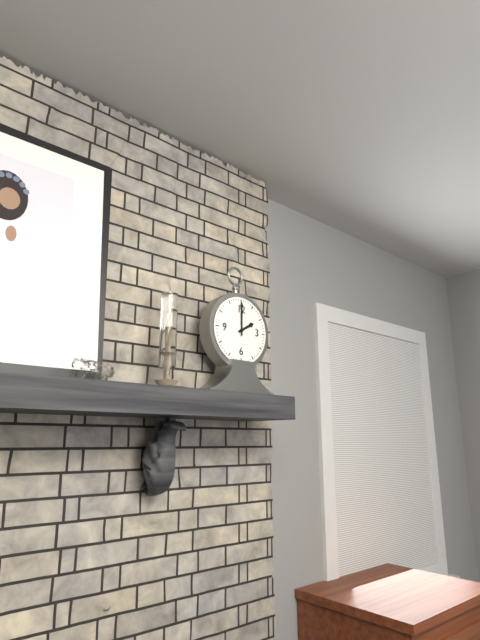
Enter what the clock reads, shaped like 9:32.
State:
2:00
